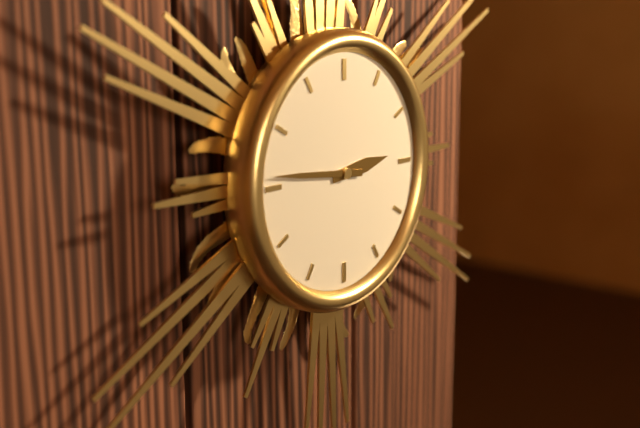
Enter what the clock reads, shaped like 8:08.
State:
2:46
